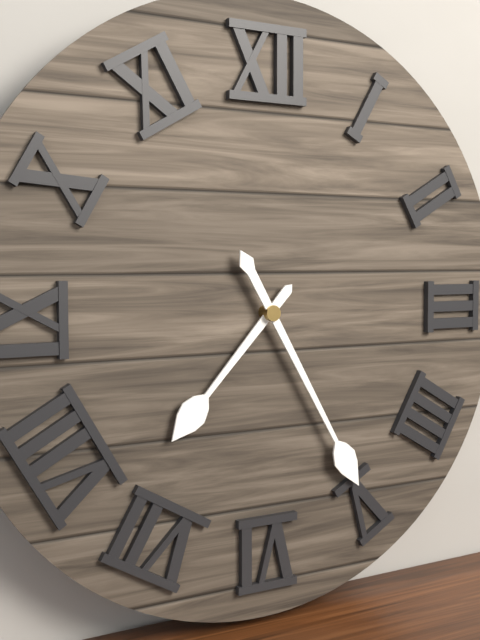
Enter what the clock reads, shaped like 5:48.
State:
7:25
